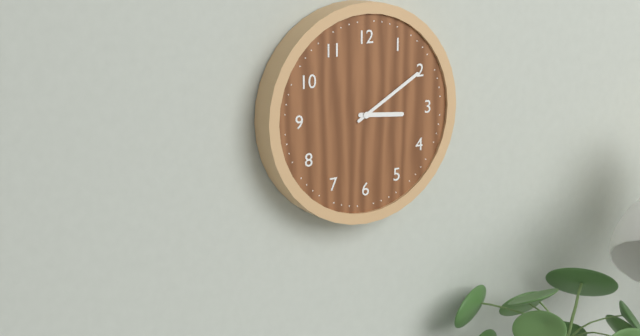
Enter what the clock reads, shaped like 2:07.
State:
3:10
